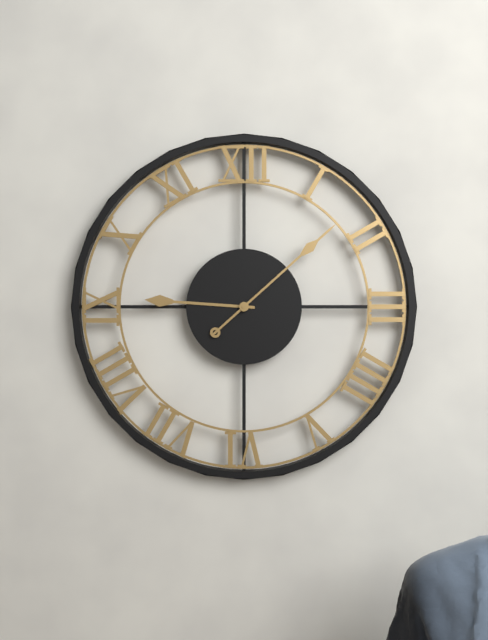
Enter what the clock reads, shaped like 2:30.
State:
9:08
